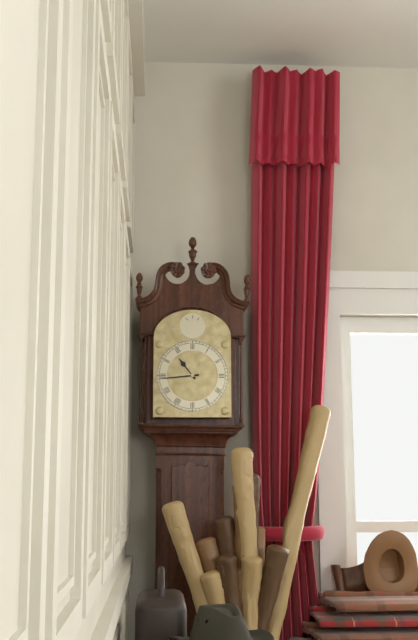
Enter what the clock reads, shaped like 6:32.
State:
10:44
